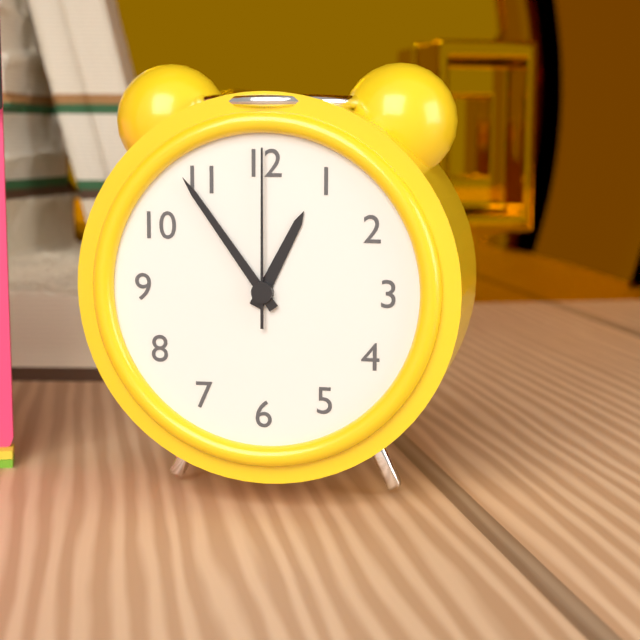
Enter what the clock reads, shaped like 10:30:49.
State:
12:54:00
